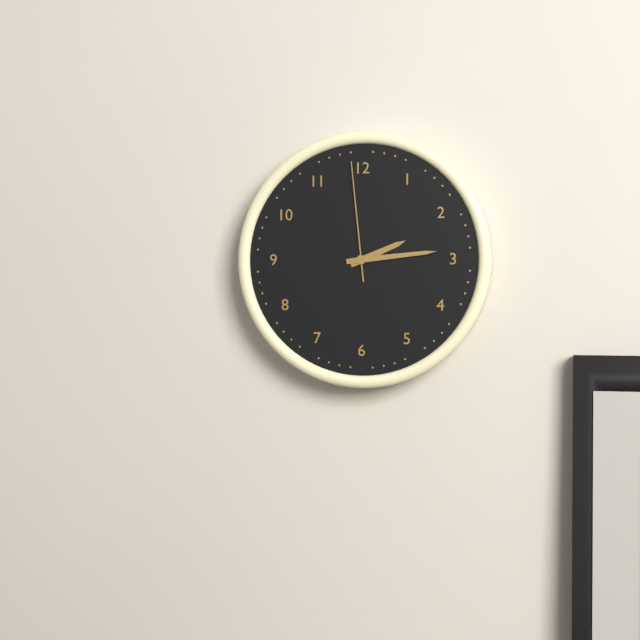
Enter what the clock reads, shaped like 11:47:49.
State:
2:14:59
